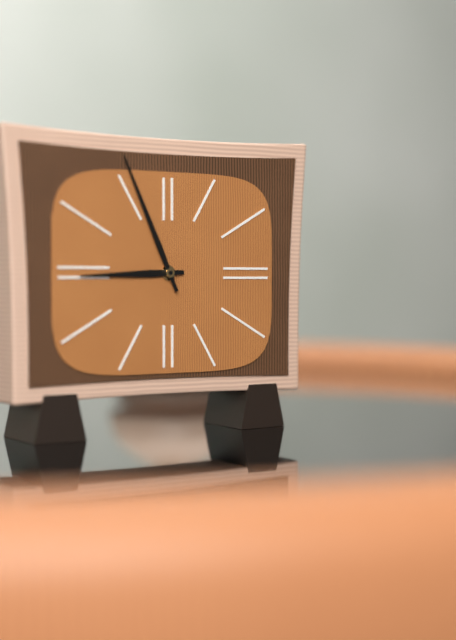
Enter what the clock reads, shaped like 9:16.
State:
8:56
